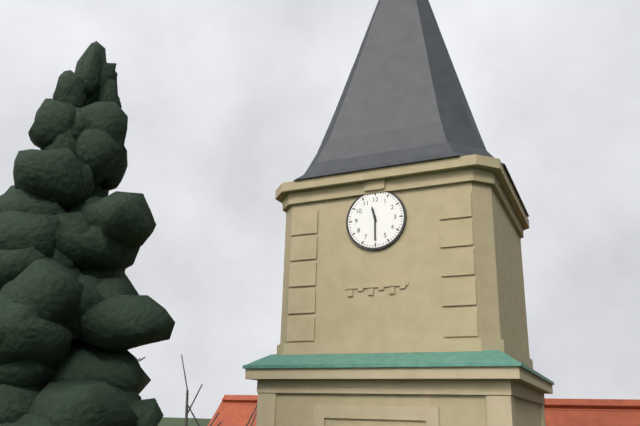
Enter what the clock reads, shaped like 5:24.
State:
11:30
